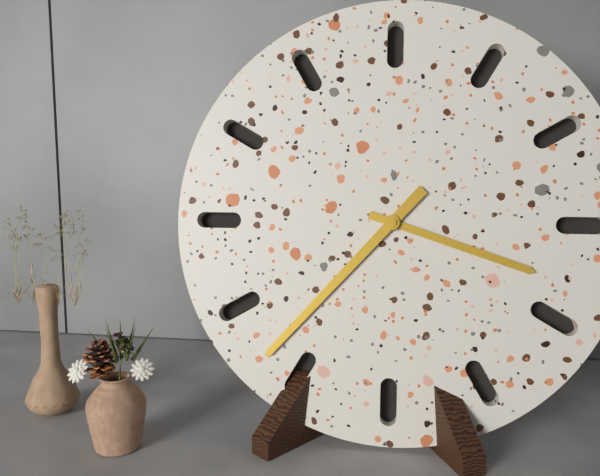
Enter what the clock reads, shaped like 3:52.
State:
3:37
